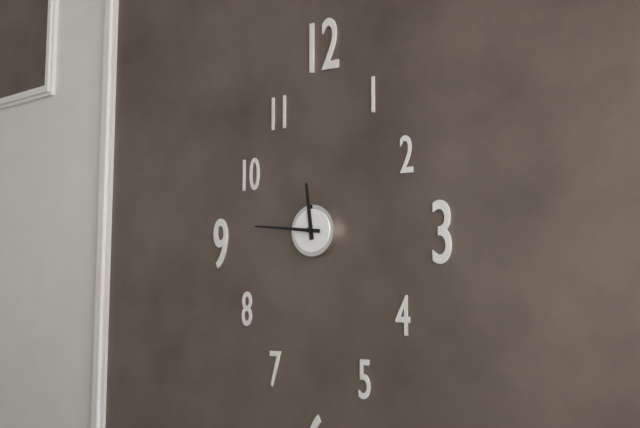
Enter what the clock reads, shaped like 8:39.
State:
11:46
